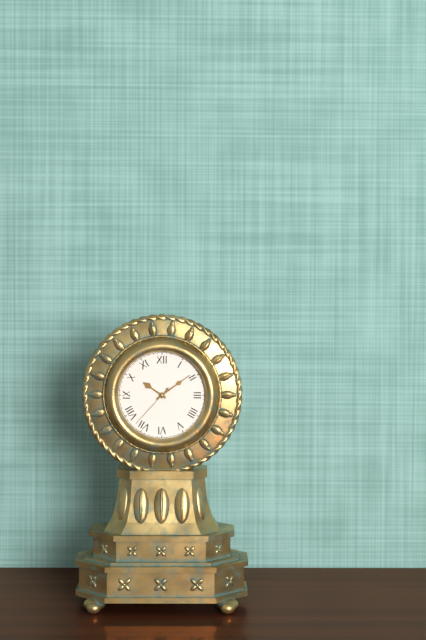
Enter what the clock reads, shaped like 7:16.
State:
10:09
